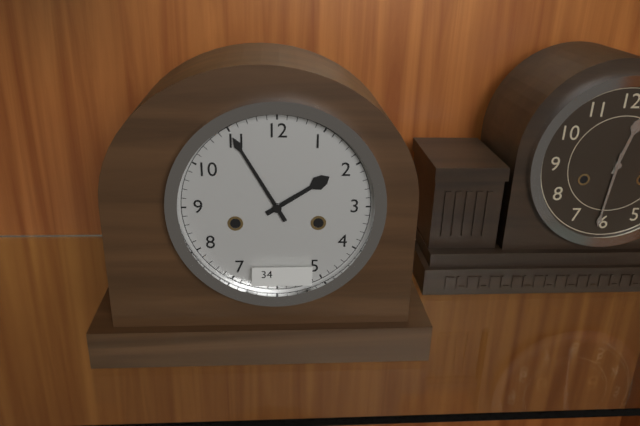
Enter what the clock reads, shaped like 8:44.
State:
1:55
